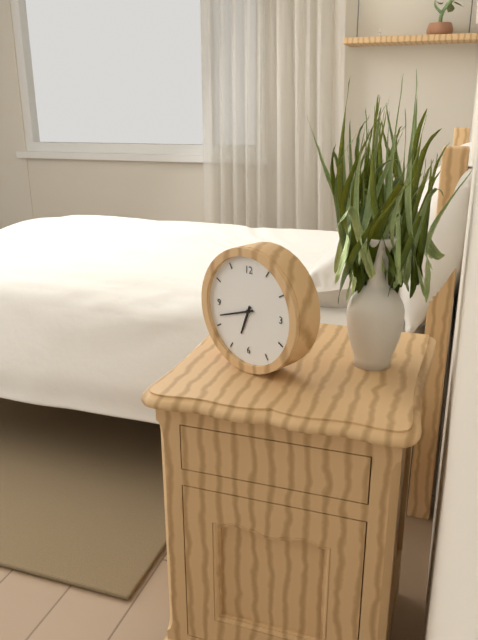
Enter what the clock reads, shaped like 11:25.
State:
6:42
